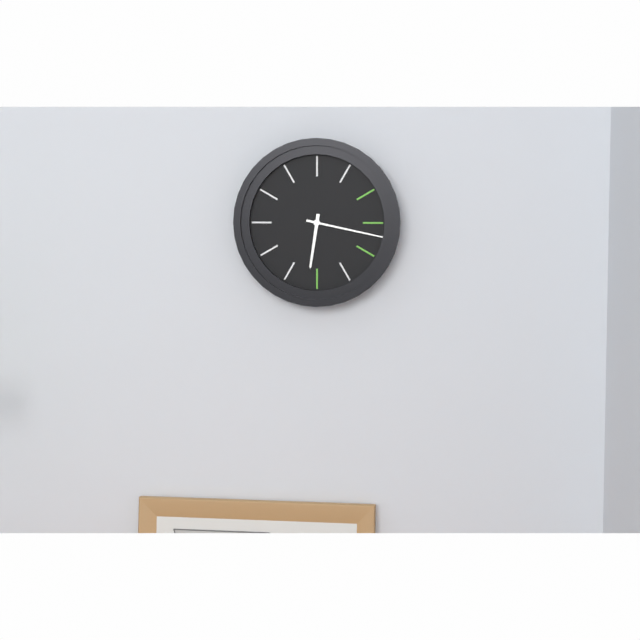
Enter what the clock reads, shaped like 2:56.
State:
6:17
